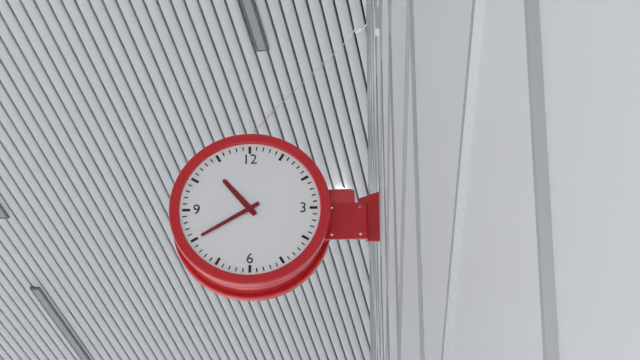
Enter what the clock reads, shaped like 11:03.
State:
10:40
